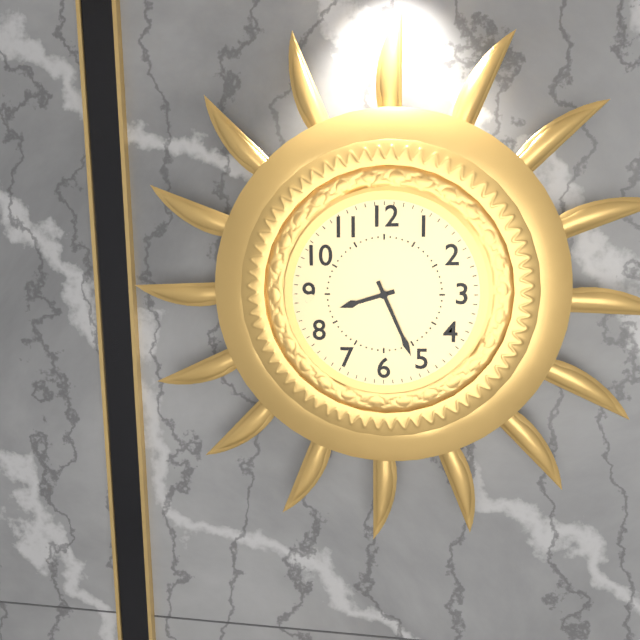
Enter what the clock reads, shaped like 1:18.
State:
8:26
